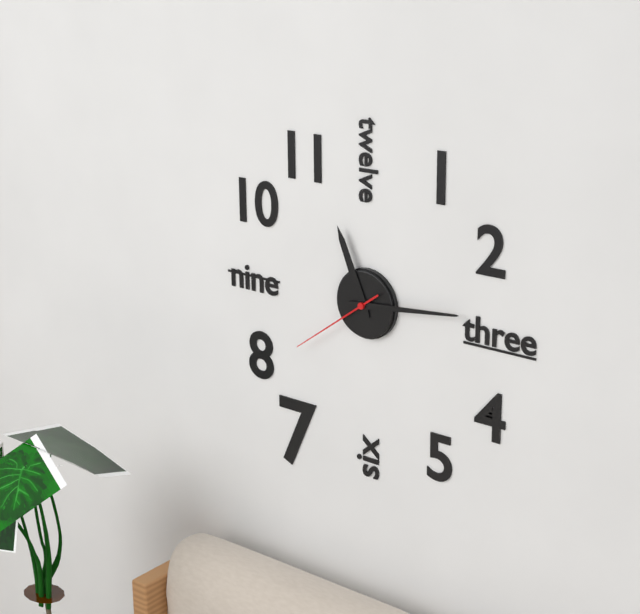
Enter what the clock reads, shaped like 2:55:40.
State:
11:14:39
